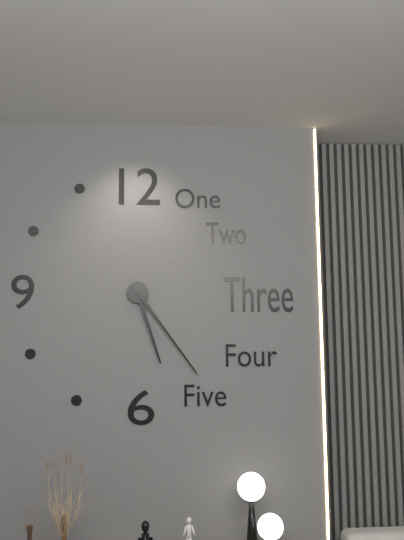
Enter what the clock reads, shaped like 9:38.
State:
5:24
